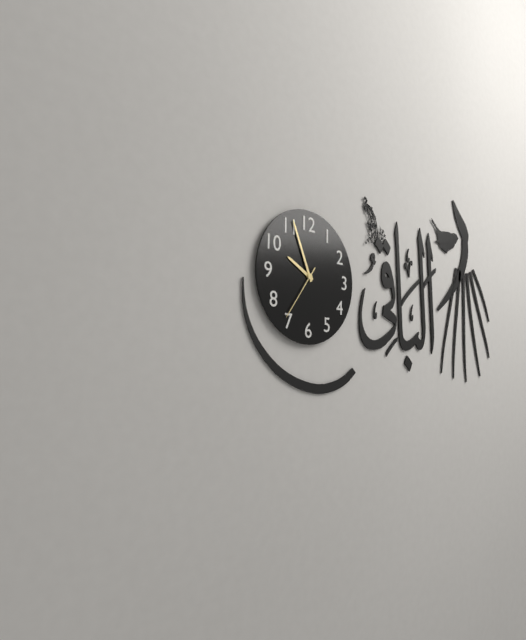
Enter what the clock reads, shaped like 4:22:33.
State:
9:56:36
